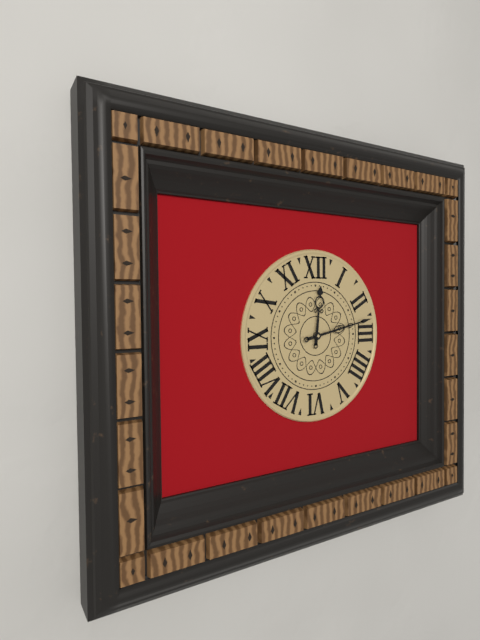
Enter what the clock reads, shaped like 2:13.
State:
12:13
